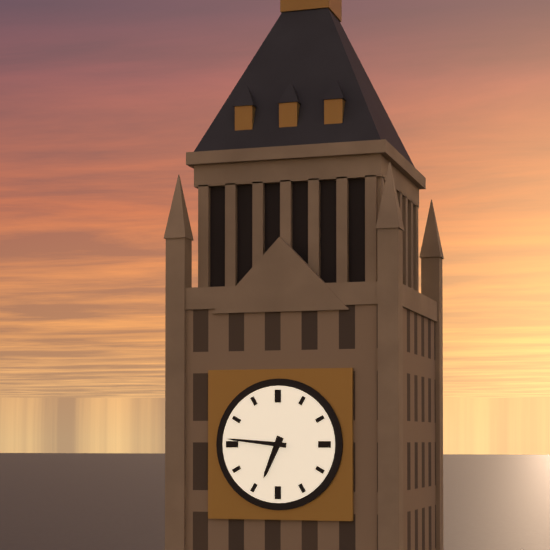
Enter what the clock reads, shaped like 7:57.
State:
6:46
